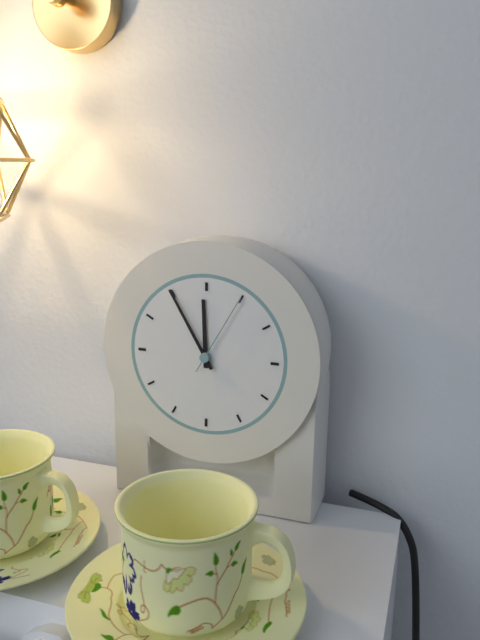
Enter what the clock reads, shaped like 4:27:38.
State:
11:55:05
